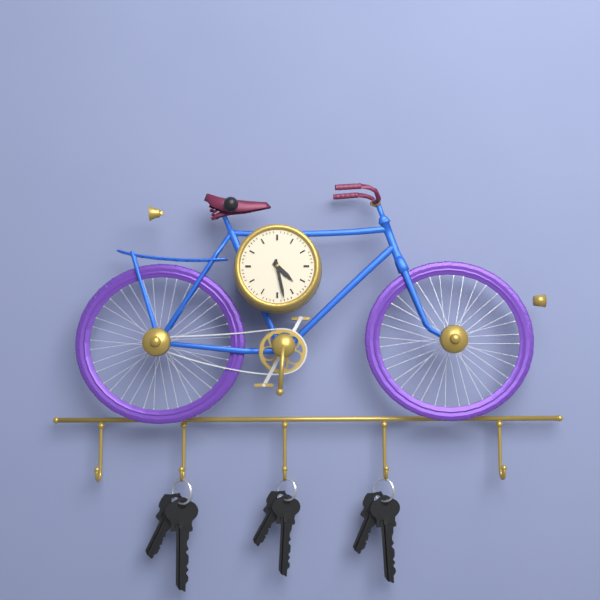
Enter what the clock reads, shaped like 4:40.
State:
4:28
